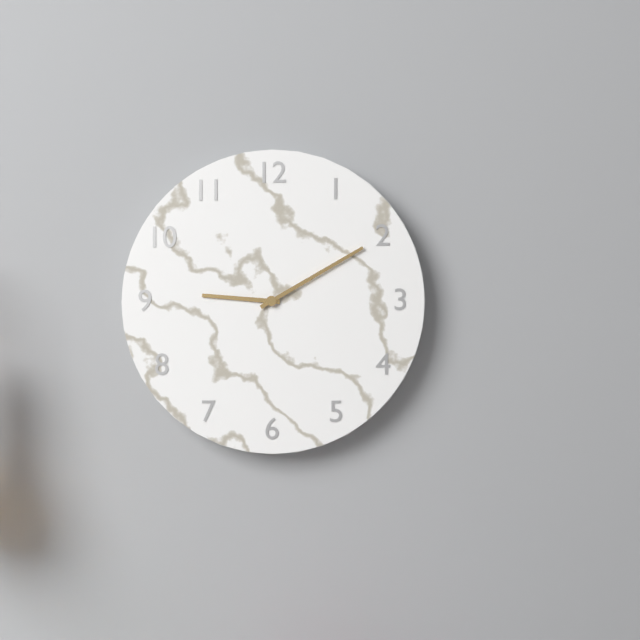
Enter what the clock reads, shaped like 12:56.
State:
9:10
